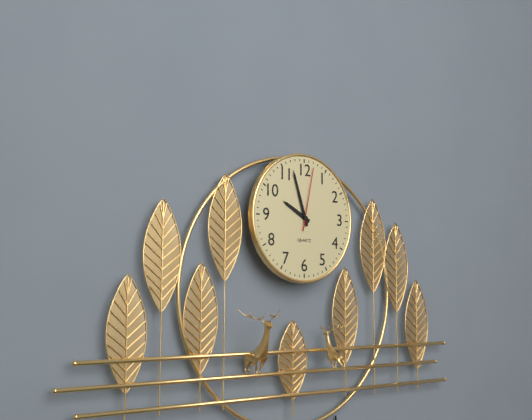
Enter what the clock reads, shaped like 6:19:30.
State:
9:57:02
